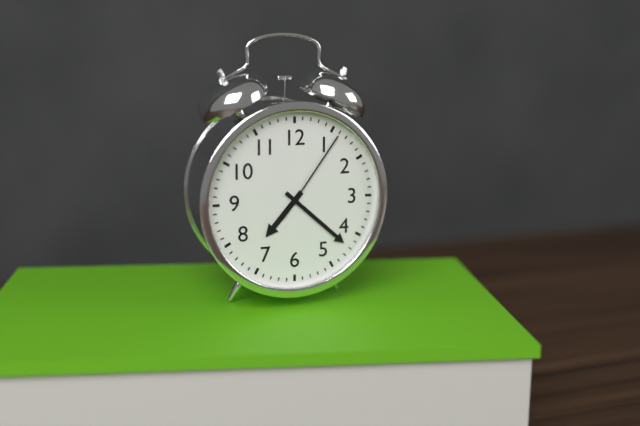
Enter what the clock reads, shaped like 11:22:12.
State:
7:22:06
